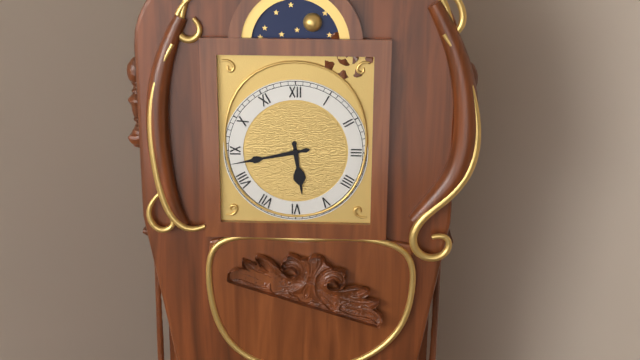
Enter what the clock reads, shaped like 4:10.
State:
5:43
